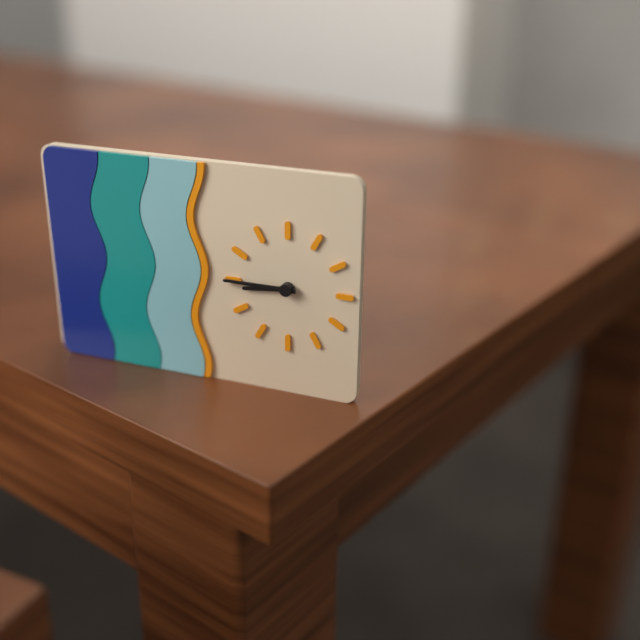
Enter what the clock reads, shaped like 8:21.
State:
8:45
